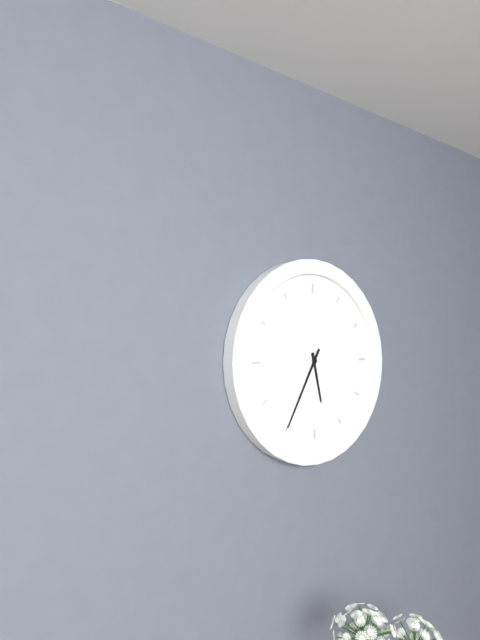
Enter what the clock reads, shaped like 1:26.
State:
5:35
